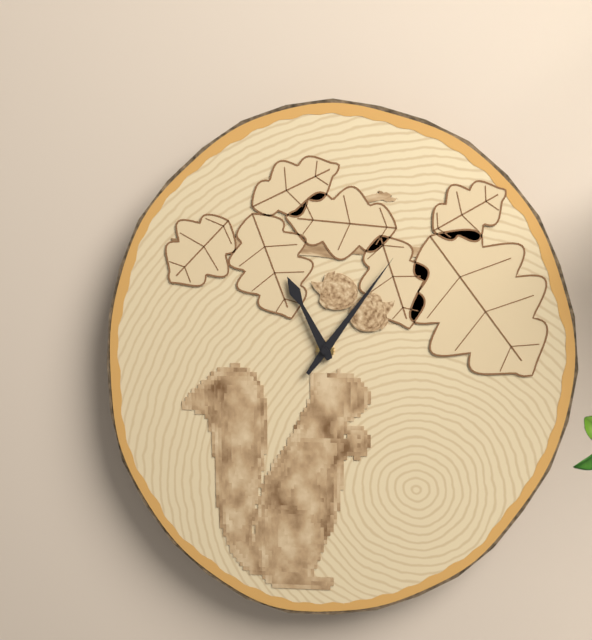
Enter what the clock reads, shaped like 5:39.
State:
11:06
